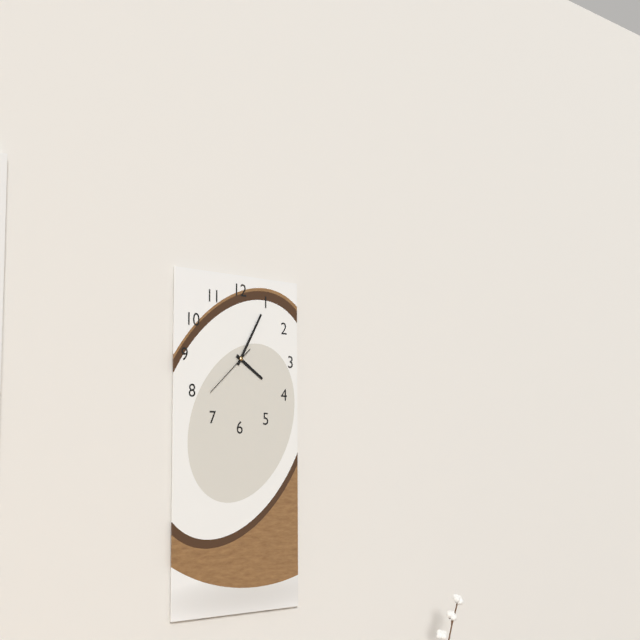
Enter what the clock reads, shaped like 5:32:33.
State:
4:05:38
